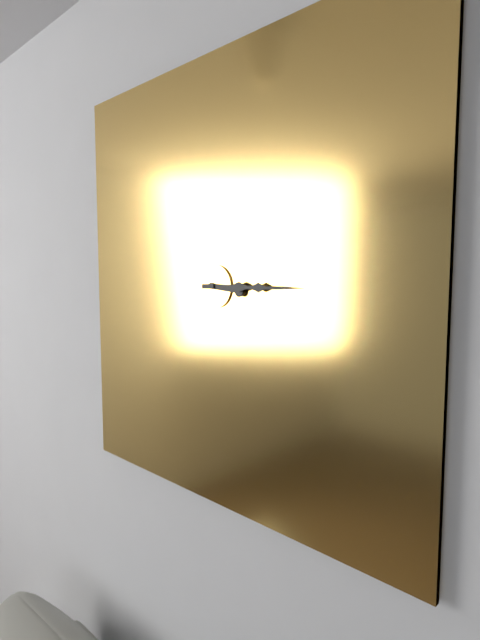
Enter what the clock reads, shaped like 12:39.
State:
3:15
